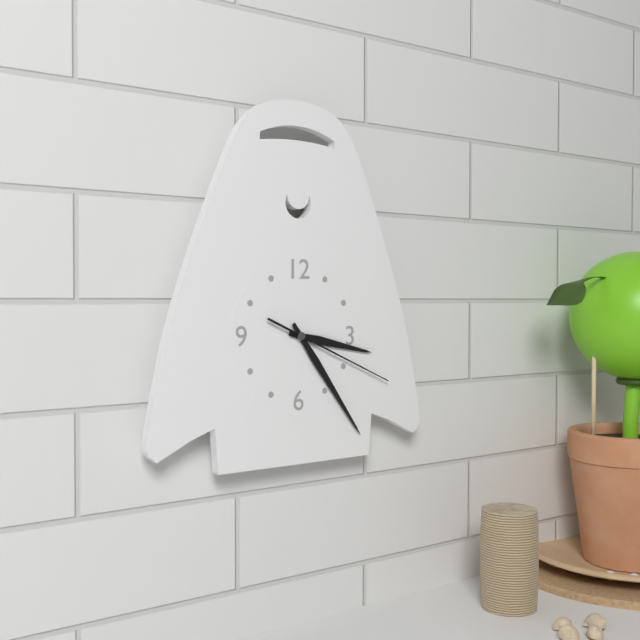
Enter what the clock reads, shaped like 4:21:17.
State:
3:24:19
